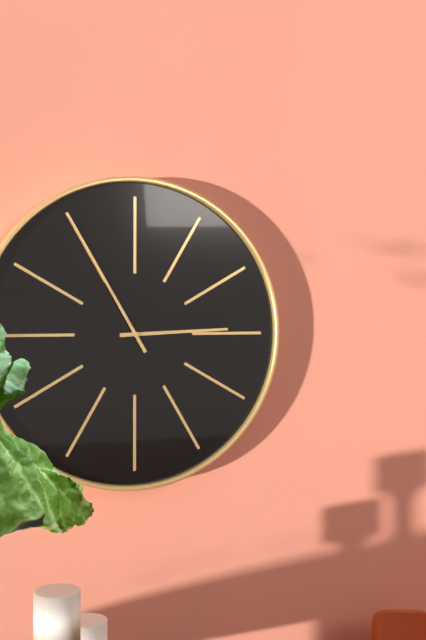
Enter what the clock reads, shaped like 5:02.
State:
2:55
